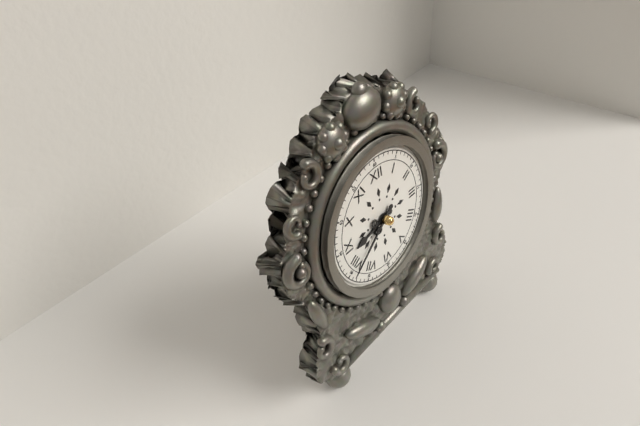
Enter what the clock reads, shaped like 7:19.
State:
8:39
